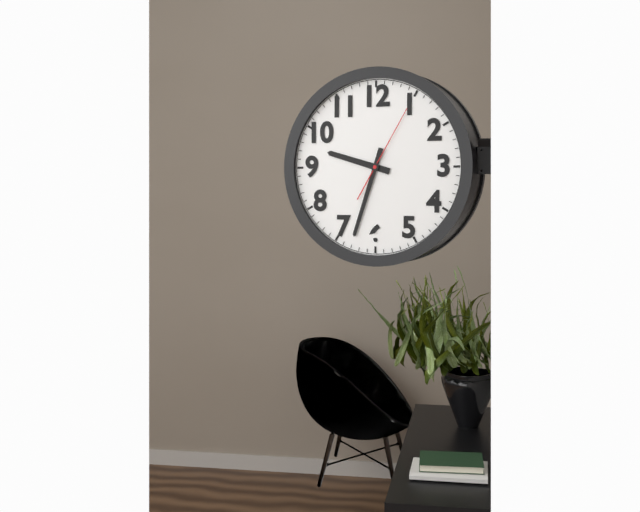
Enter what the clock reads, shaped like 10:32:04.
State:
9:33:05
